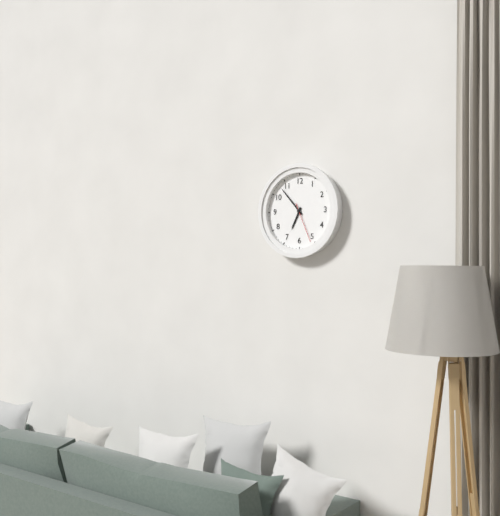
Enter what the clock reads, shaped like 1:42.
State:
6:53
